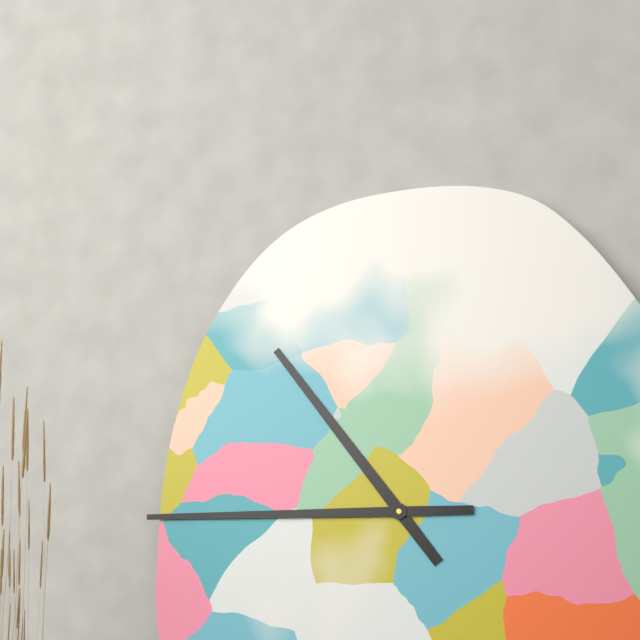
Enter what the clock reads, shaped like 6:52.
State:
10:45
